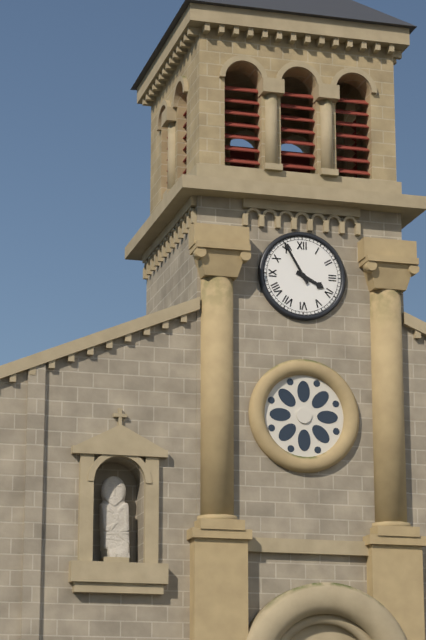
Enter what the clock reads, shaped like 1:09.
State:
3:55
